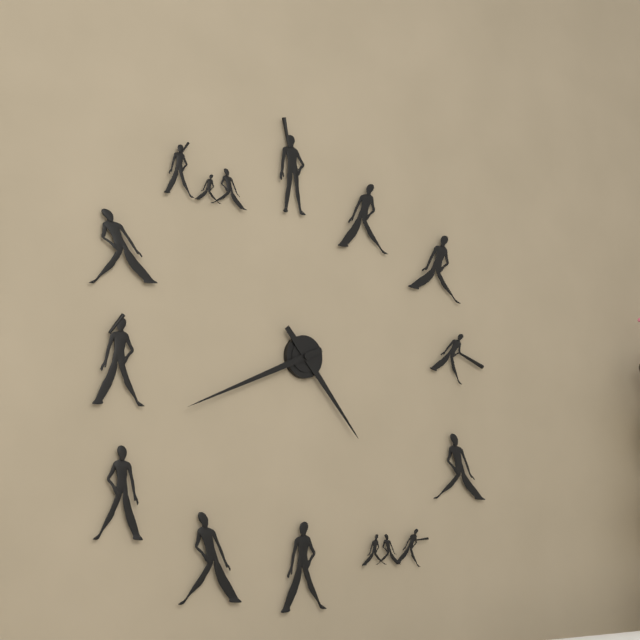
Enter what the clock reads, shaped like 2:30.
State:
4:41
